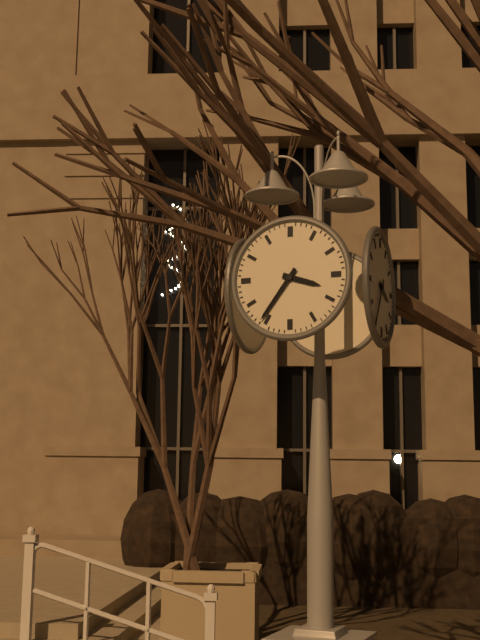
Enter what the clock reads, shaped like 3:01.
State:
3:36
